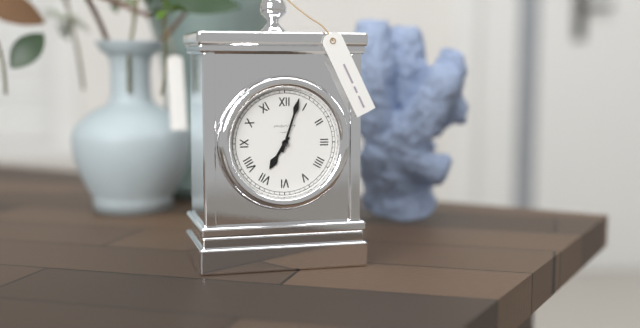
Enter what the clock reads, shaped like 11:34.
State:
7:03
